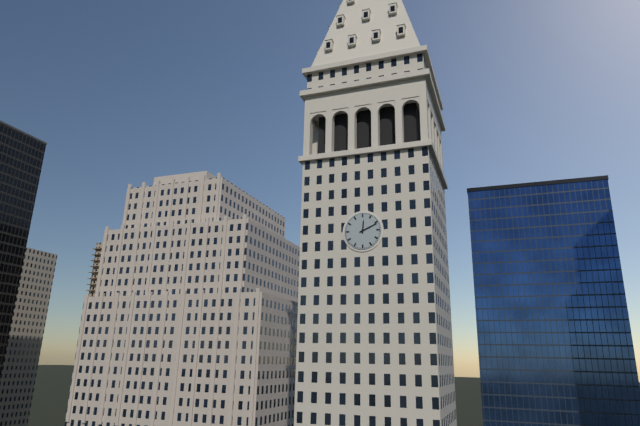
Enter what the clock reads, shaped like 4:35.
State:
12:11
